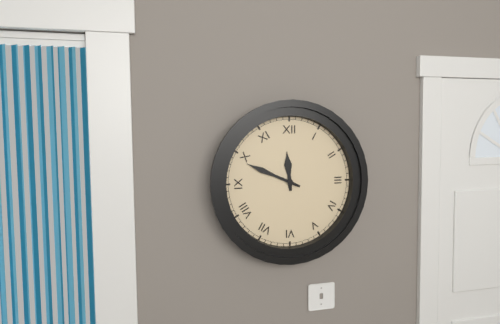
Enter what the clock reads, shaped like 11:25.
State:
11:49
